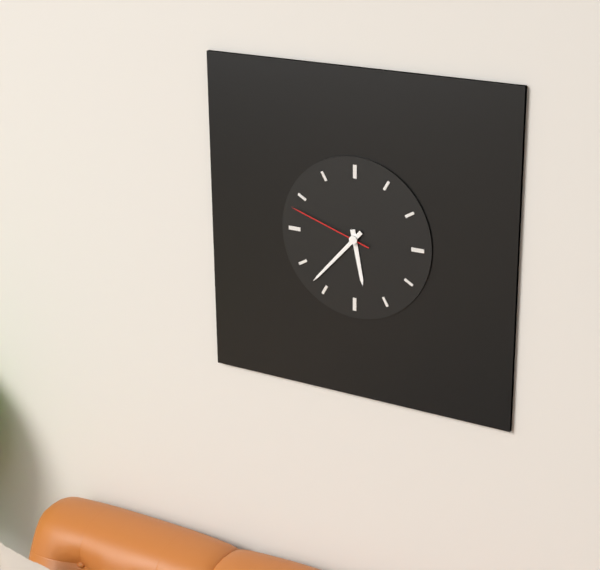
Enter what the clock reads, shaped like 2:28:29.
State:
5:37:48
